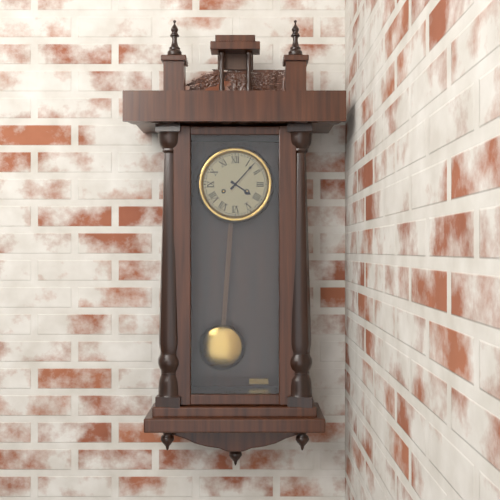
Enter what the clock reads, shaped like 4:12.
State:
4:07
